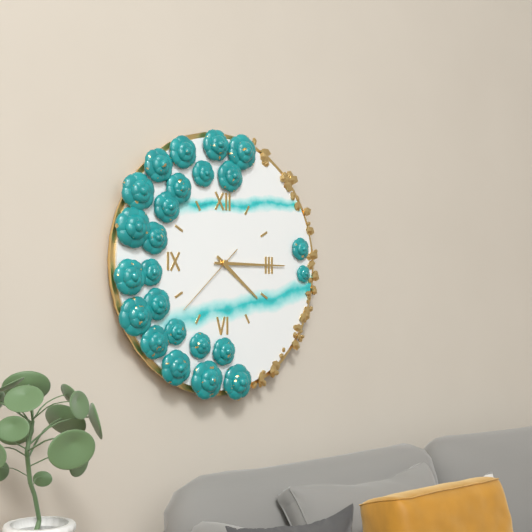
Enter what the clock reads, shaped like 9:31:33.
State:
4:15:38
